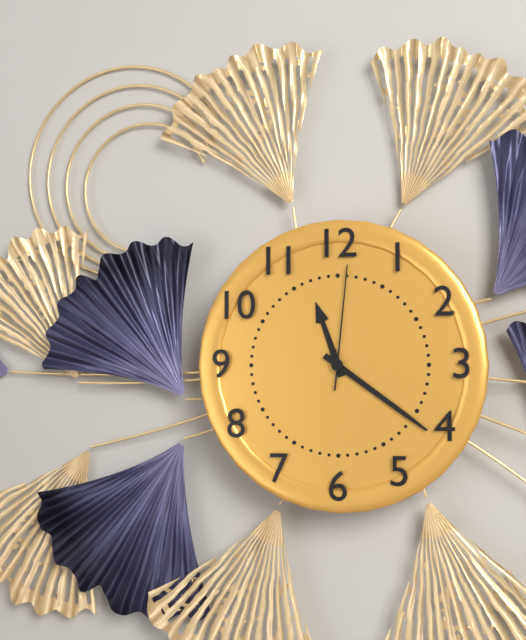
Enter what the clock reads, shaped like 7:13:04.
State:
11:21:01
